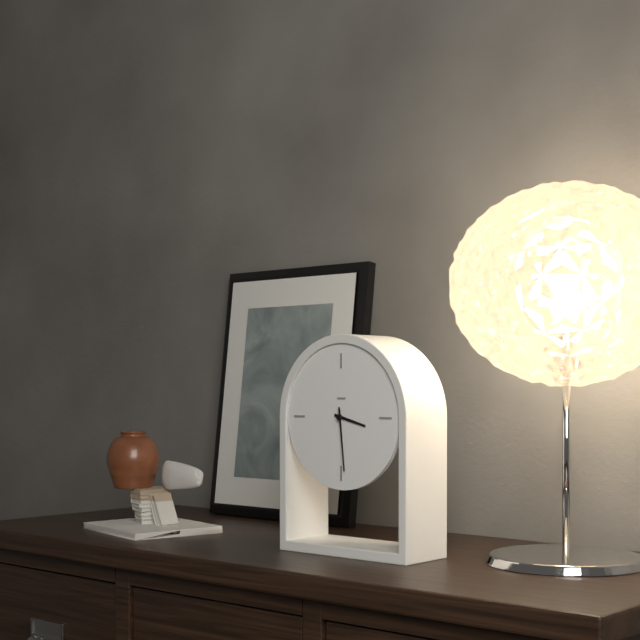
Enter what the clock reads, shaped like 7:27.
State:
3:29
